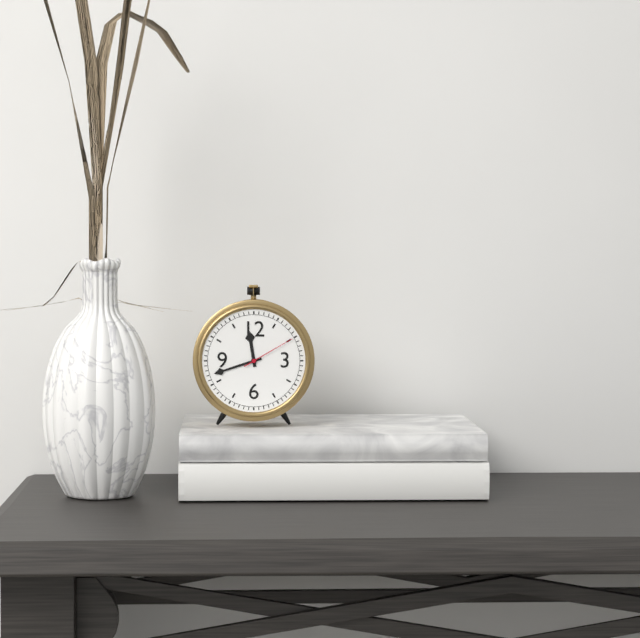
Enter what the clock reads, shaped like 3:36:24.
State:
11:42:10
